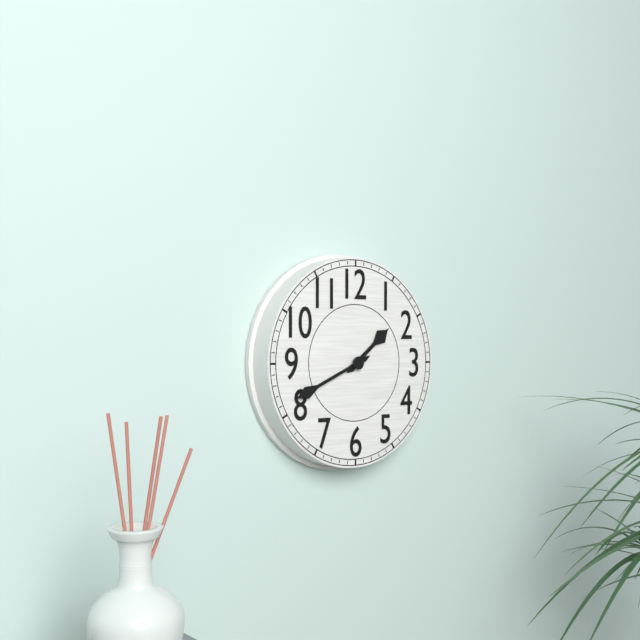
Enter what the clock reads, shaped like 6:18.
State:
1:41
